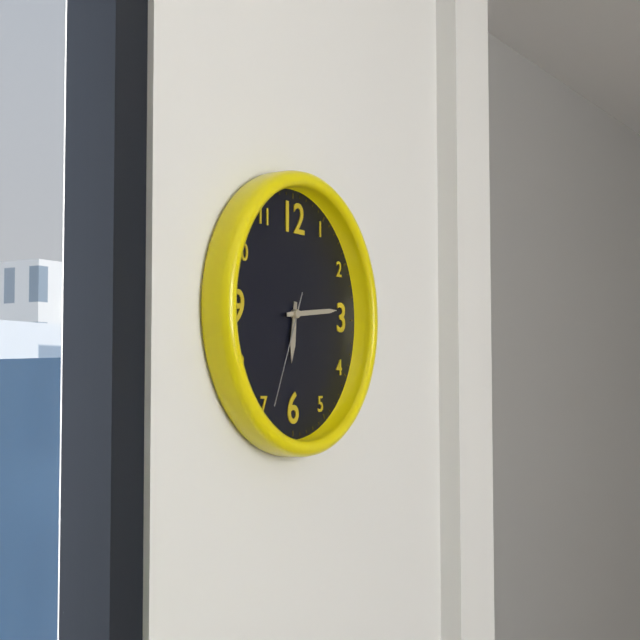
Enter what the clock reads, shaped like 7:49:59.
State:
6:14:34
